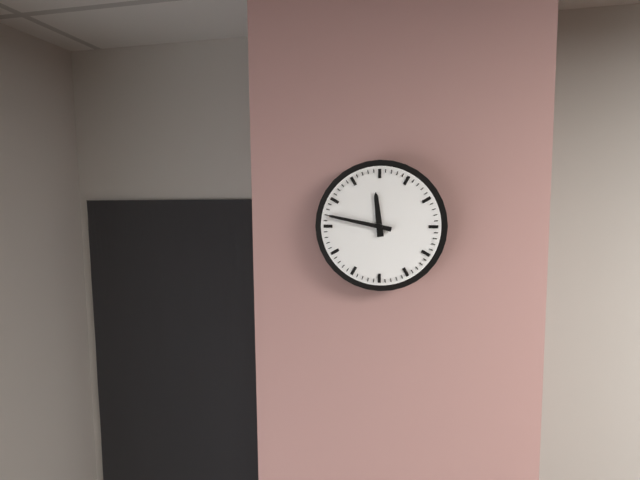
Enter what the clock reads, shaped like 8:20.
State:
11:47
